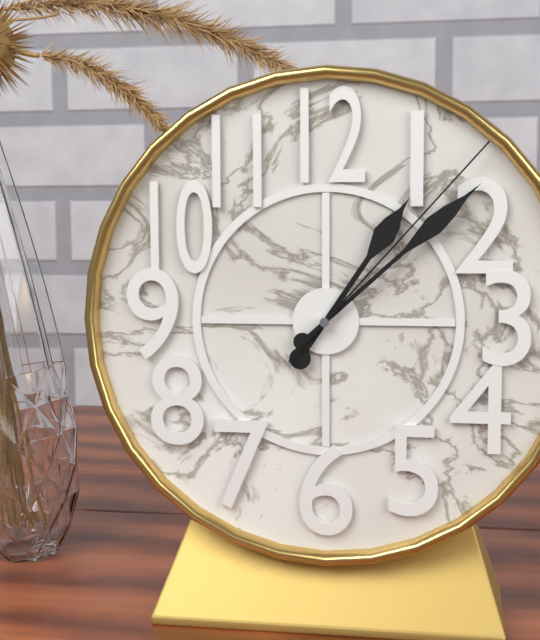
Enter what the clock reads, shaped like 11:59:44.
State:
1:08:07
